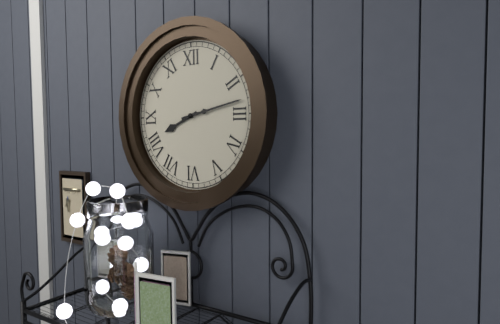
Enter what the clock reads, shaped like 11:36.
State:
8:13
